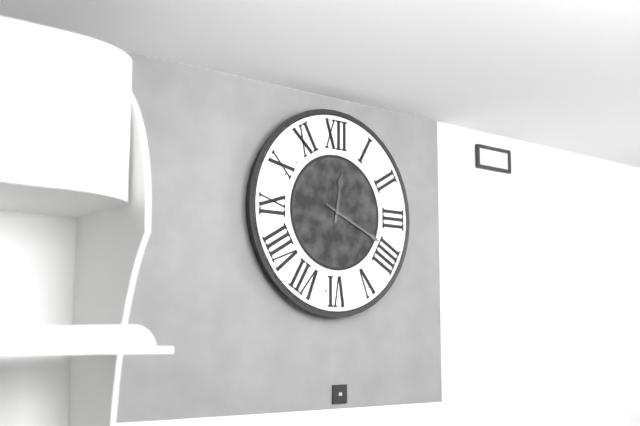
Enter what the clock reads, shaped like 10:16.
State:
12:19
